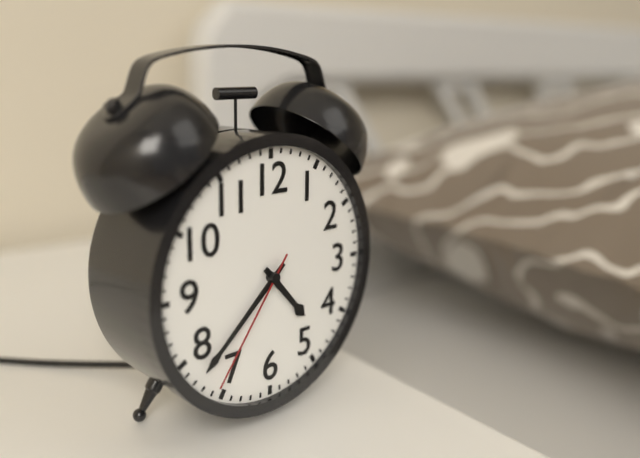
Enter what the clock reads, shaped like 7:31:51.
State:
4:38:36
